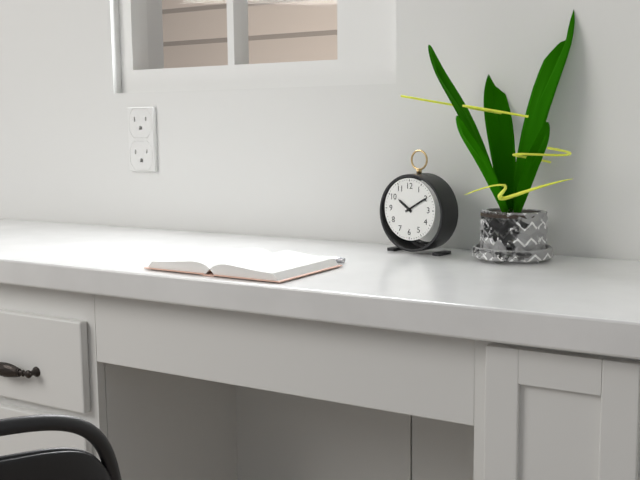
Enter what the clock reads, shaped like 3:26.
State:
10:10
